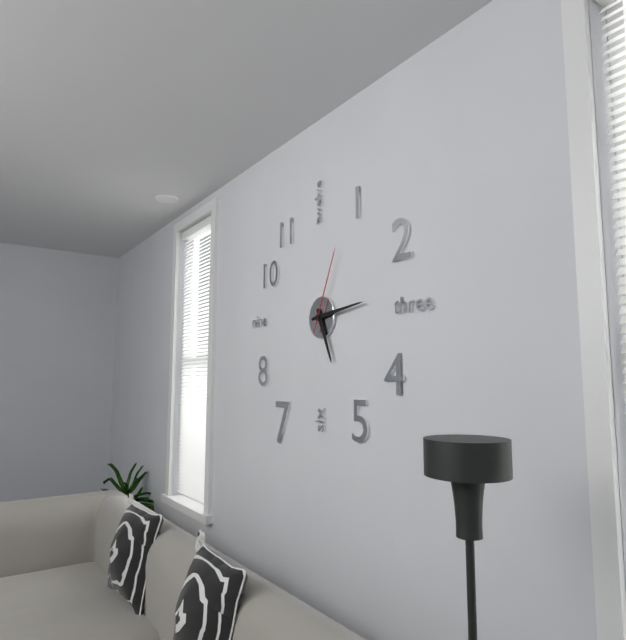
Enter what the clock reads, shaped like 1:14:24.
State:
5:14:04
